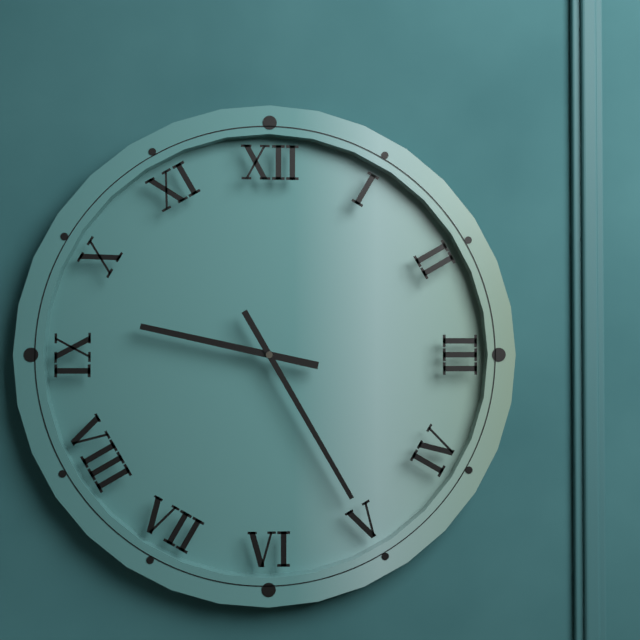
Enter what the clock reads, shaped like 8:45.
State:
9:25
